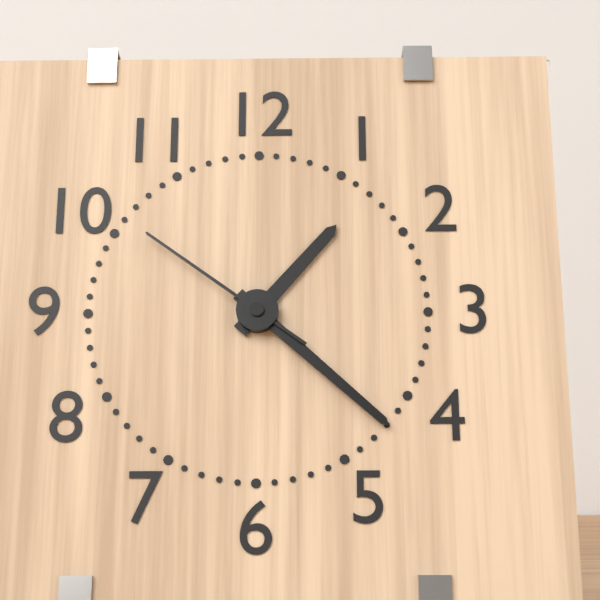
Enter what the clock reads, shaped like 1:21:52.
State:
1:22:51
